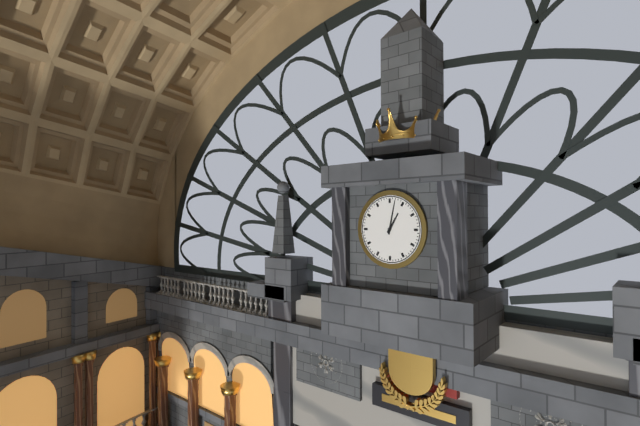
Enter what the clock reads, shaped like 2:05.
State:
1:02
